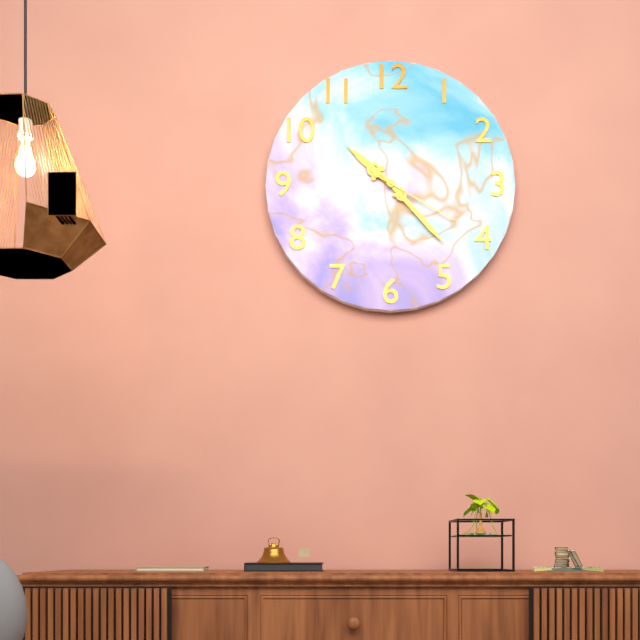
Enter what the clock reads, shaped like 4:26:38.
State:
10:23:20
